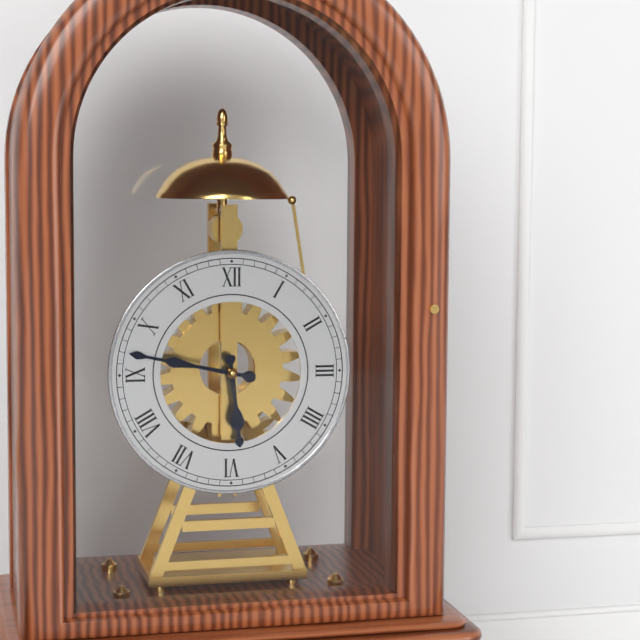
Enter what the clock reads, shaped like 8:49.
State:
5:47
